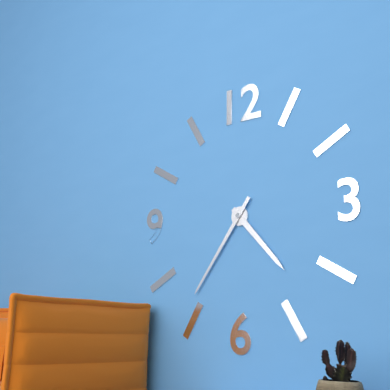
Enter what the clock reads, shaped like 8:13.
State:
4:36
